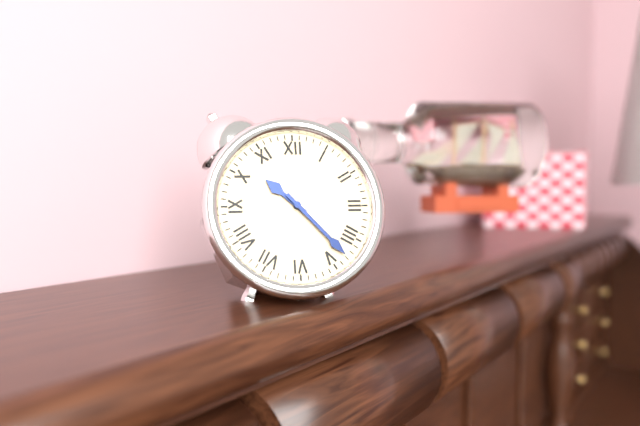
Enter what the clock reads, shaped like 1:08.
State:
10:23
